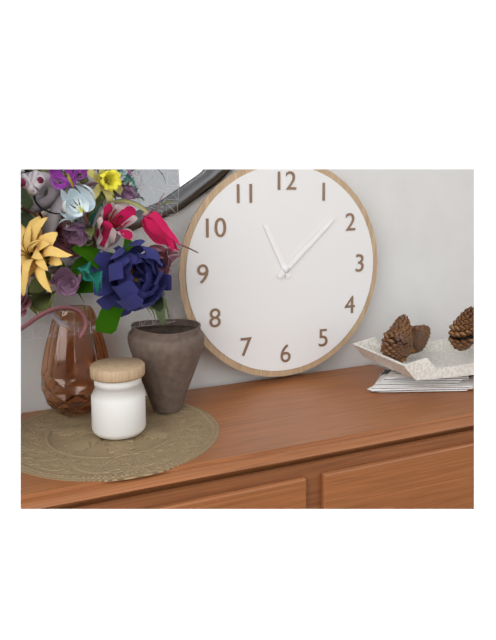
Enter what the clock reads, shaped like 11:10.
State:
11:08
